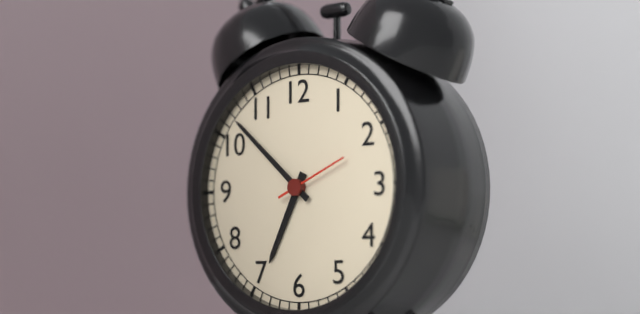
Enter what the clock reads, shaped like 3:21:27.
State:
6:52:11
